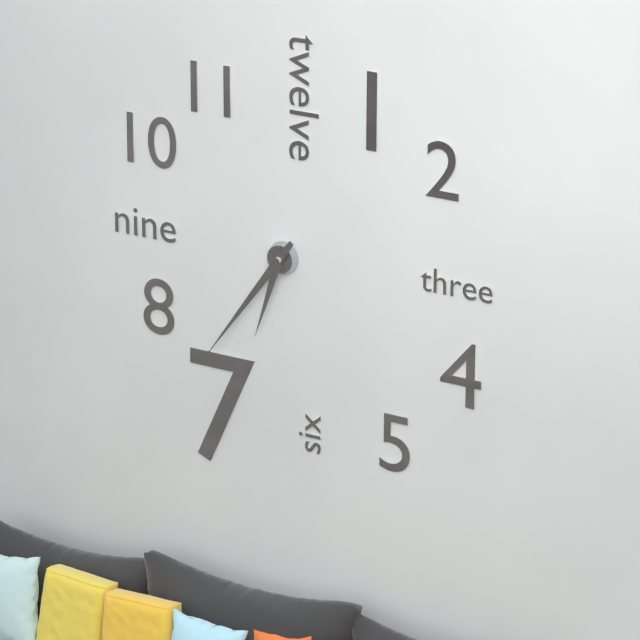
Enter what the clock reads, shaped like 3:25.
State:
6:36
